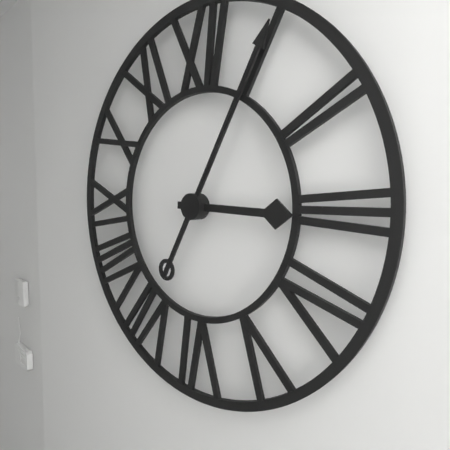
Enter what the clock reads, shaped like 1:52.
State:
3:05
